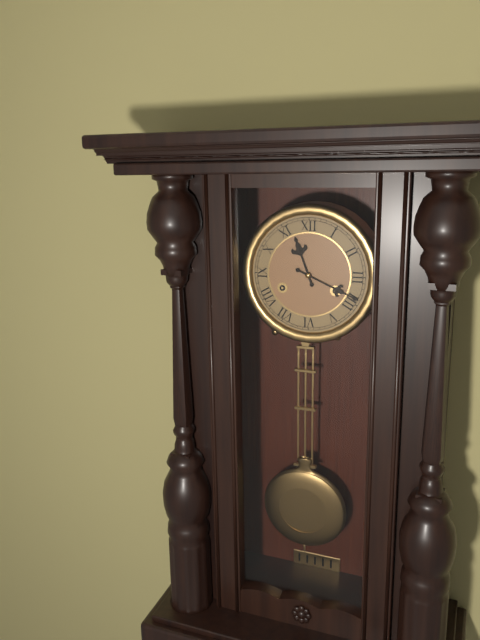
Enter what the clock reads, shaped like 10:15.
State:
11:19
